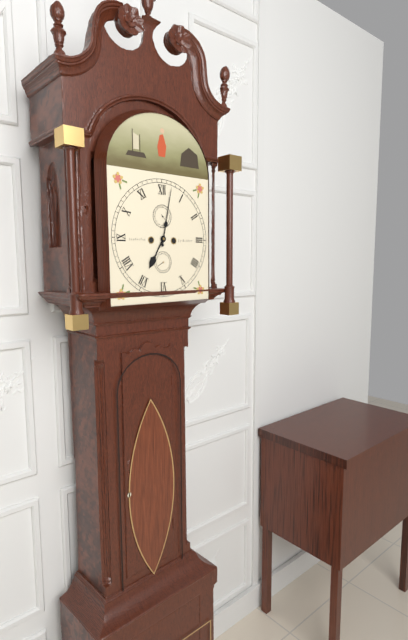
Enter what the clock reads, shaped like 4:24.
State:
7:02
